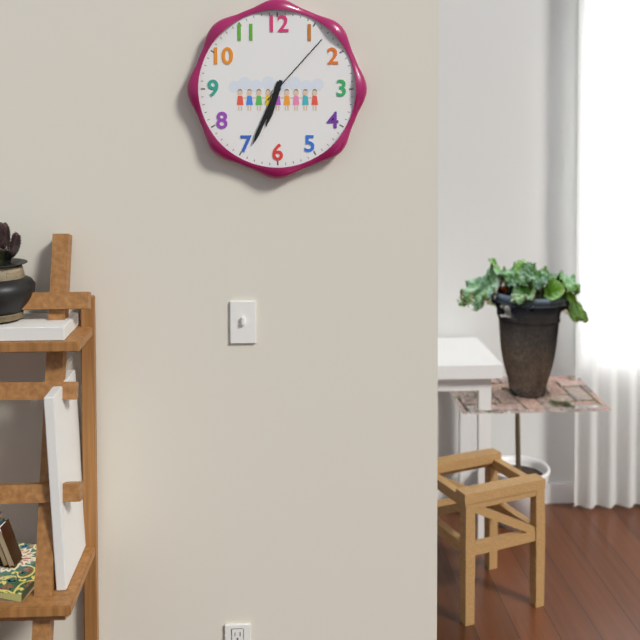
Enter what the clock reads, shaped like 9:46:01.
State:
6:34:07
